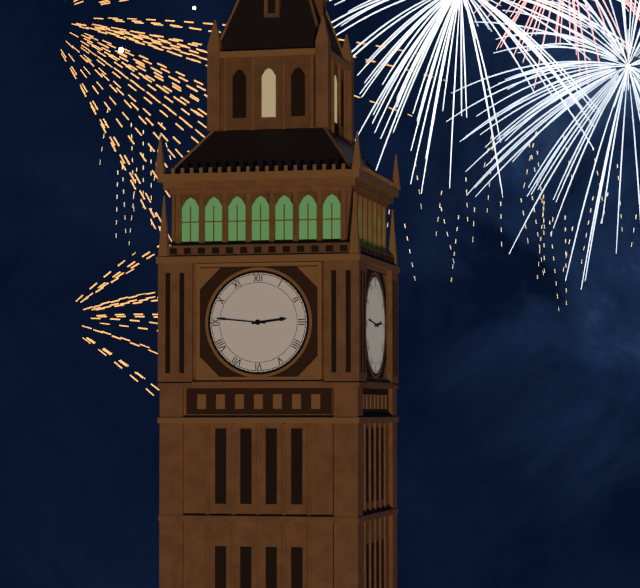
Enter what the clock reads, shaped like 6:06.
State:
2:46
